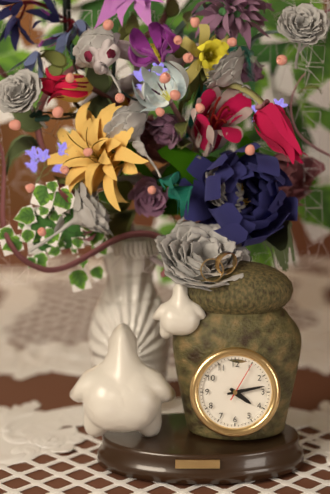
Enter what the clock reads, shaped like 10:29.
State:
4:13
